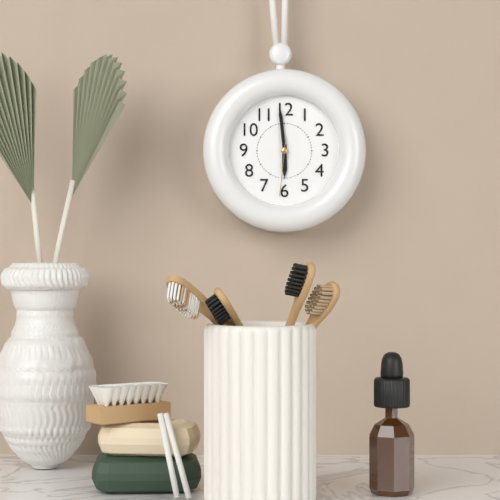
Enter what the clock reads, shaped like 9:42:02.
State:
5:59:31
